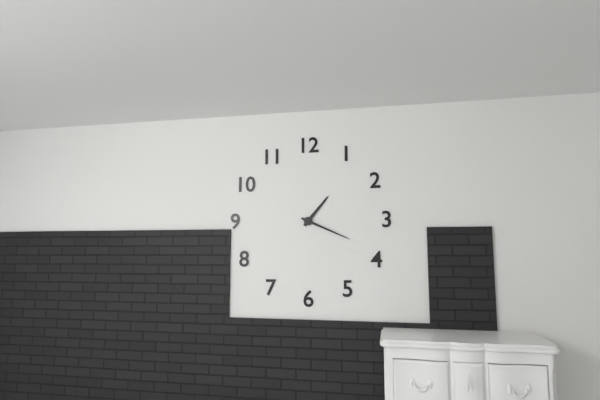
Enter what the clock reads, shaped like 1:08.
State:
1:19
